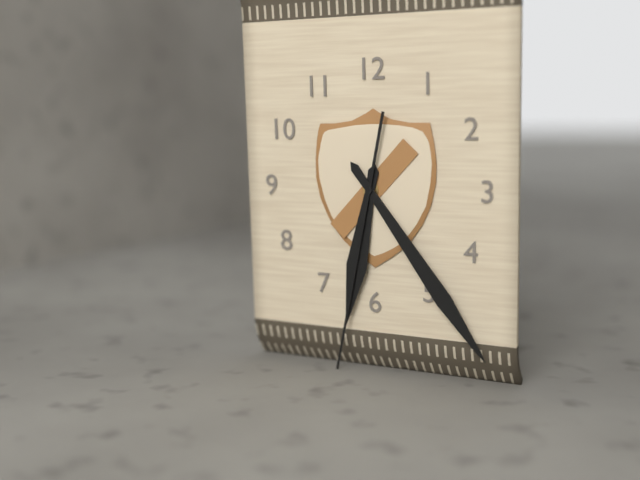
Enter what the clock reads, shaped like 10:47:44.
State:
6:24:32
